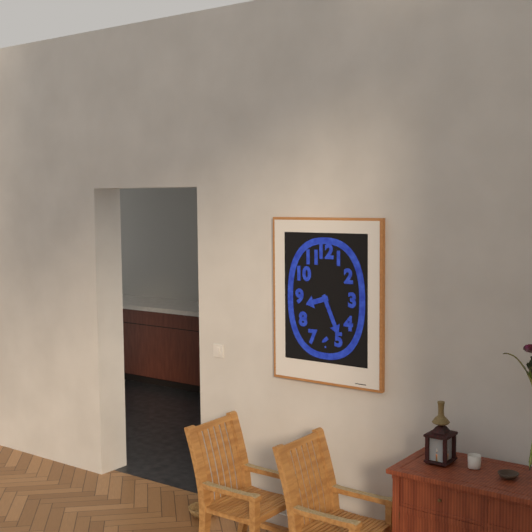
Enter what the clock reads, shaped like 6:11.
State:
8:26
